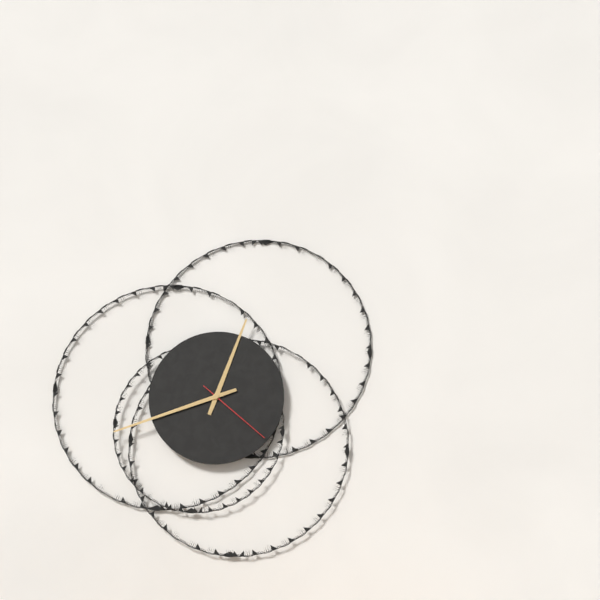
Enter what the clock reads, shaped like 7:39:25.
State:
12:42:22
